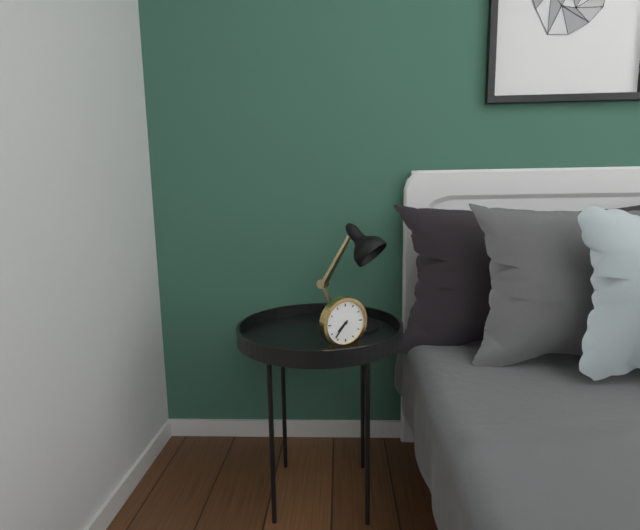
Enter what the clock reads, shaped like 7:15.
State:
7:37
